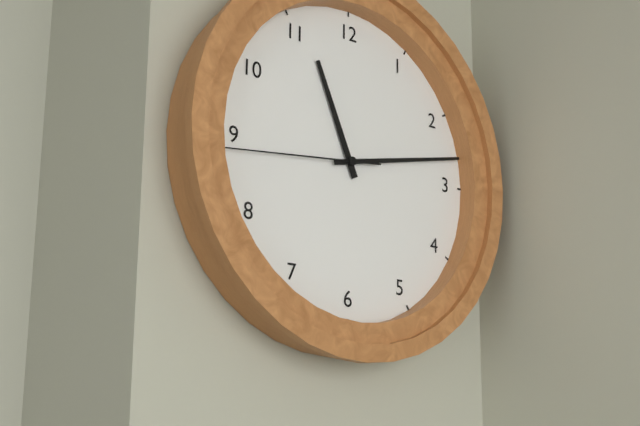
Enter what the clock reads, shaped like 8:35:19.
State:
11:13:44
